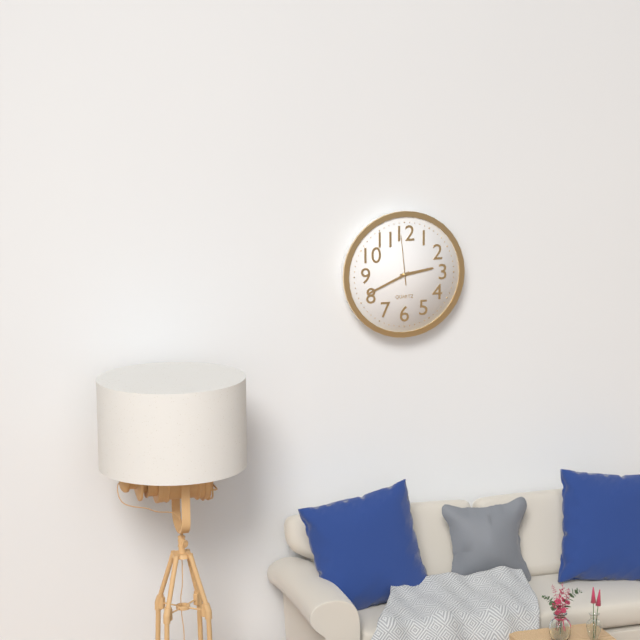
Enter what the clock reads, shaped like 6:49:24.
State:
2:41:59
